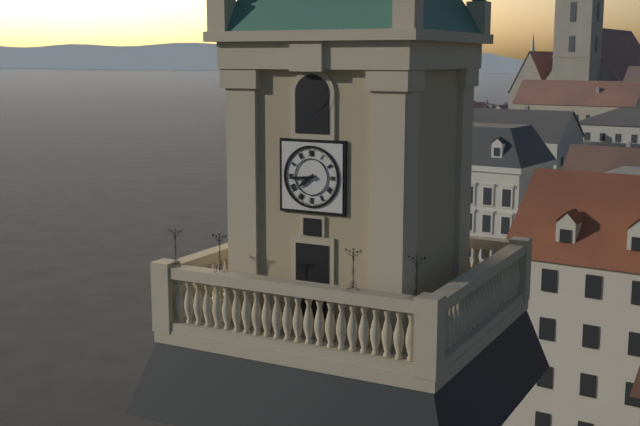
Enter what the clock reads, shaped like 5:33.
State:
7:44
